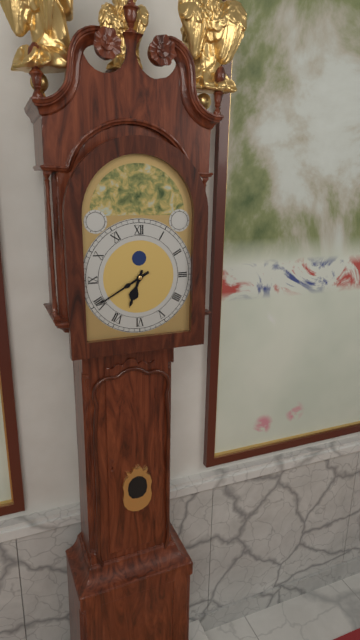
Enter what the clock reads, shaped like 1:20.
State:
6:40
